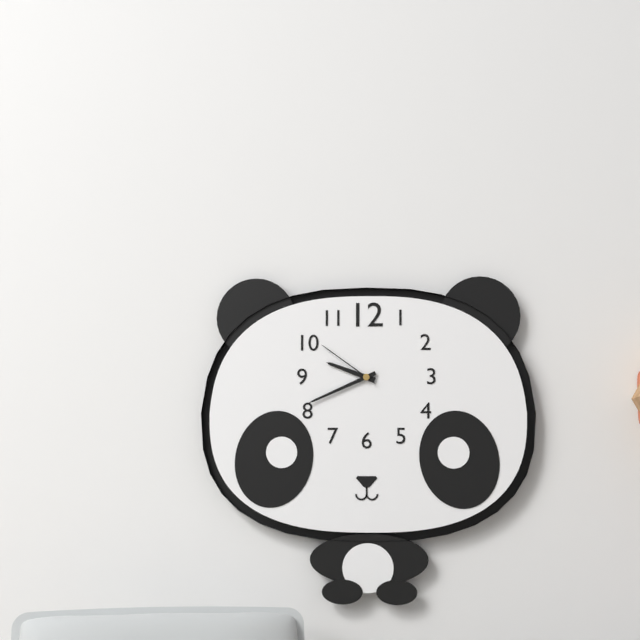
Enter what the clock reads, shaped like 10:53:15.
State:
9:41:51
